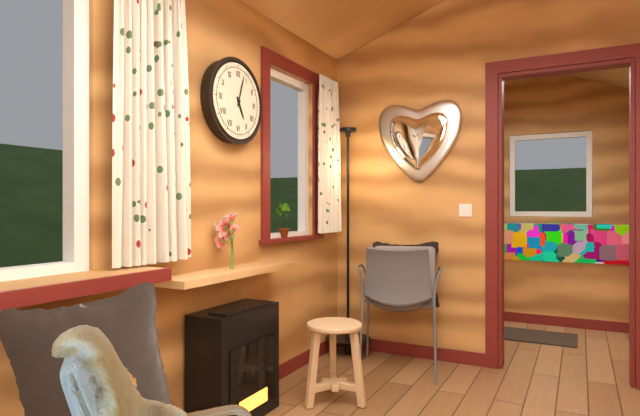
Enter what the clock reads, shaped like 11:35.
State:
5:03
